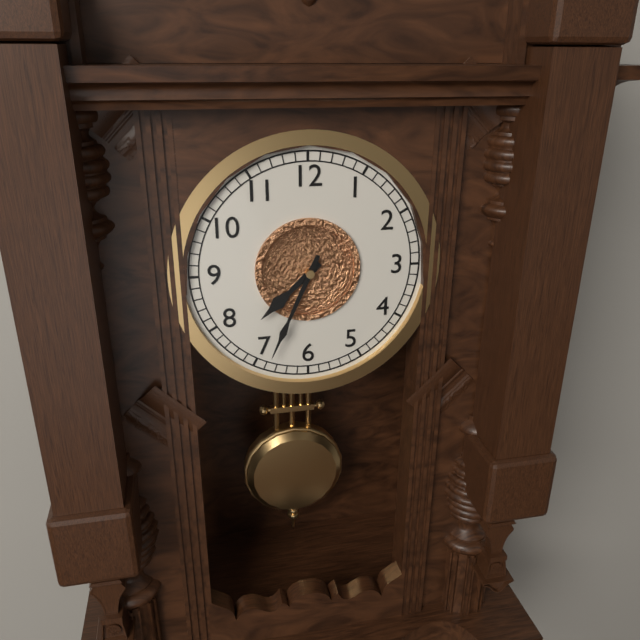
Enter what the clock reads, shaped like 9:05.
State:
7:34
